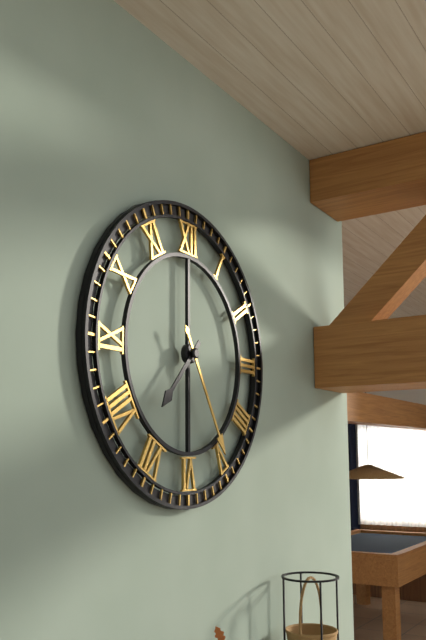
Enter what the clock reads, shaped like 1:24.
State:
7:25
